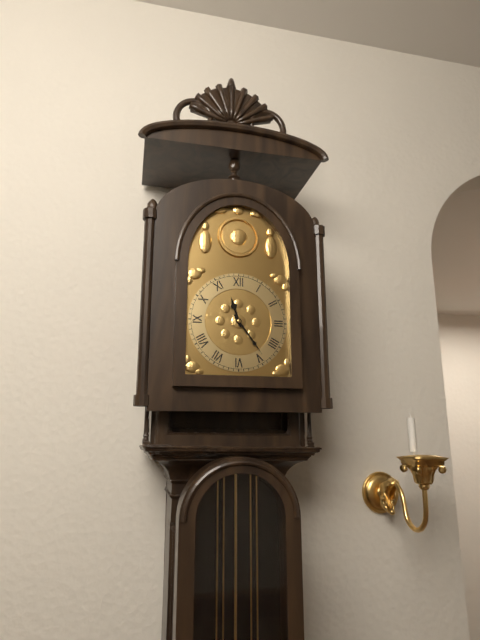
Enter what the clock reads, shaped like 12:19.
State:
11:24
